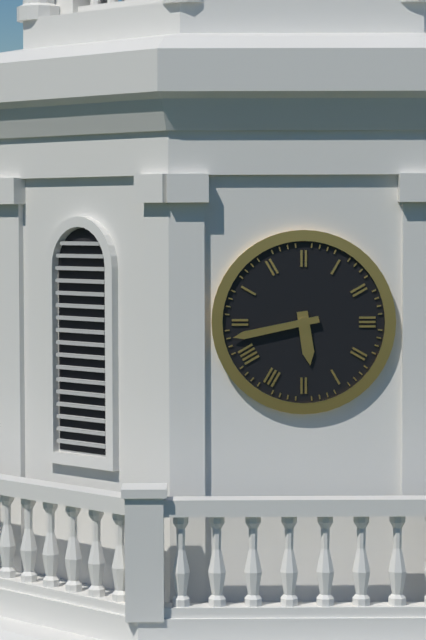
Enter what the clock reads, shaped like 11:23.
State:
5:43
